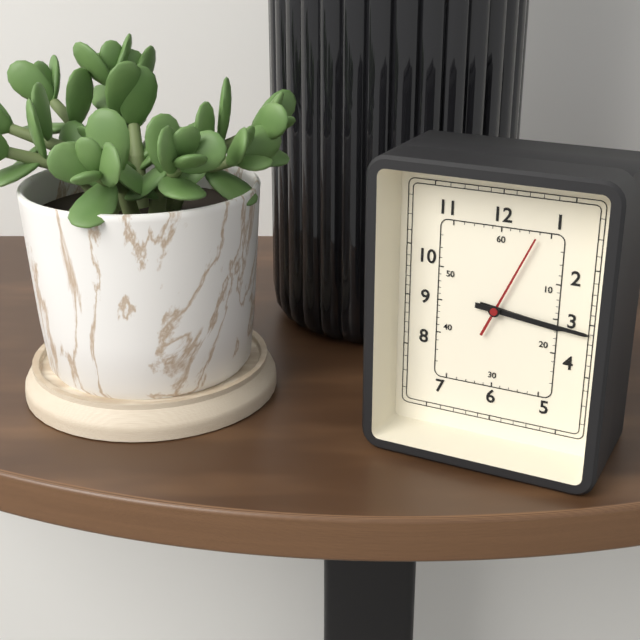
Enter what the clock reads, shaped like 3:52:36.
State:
3:16:04
